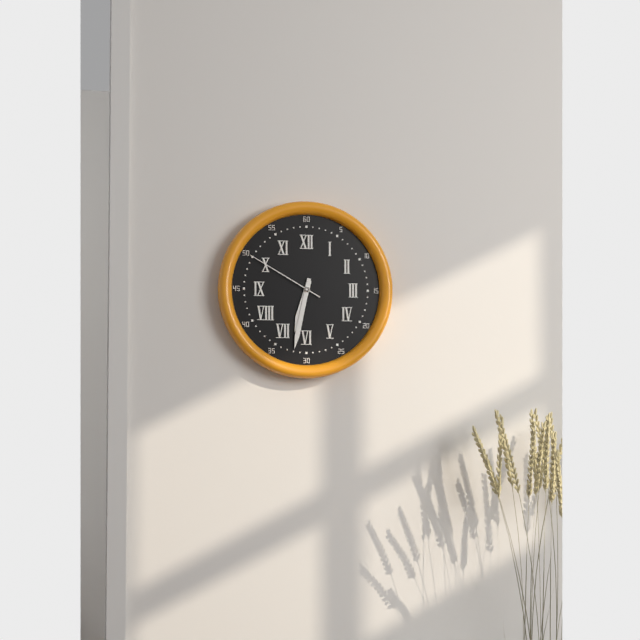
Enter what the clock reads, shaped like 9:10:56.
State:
6:32:50
